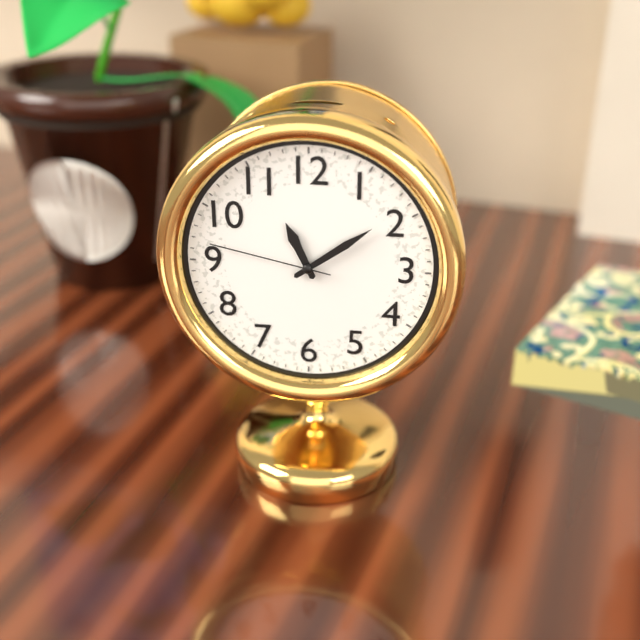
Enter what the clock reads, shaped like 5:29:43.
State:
11:09:47
